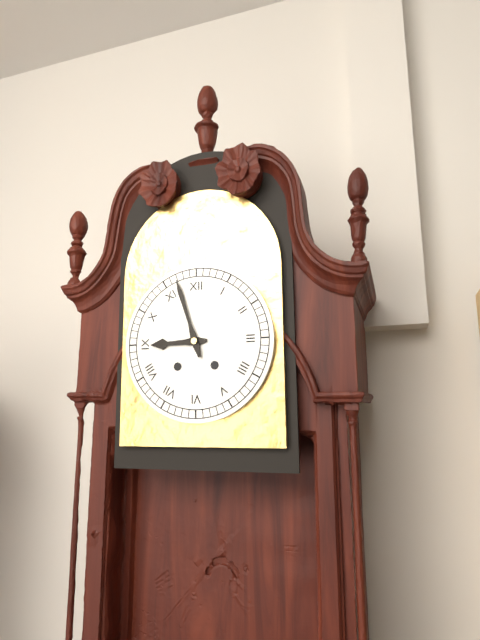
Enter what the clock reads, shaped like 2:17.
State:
8:57
